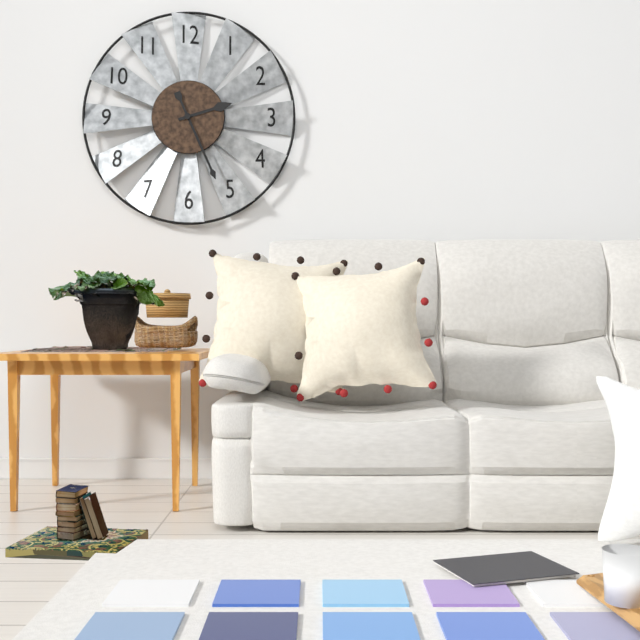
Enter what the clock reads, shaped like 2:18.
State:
2:26
